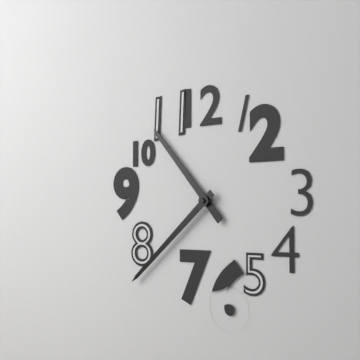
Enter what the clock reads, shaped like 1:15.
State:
10:38
